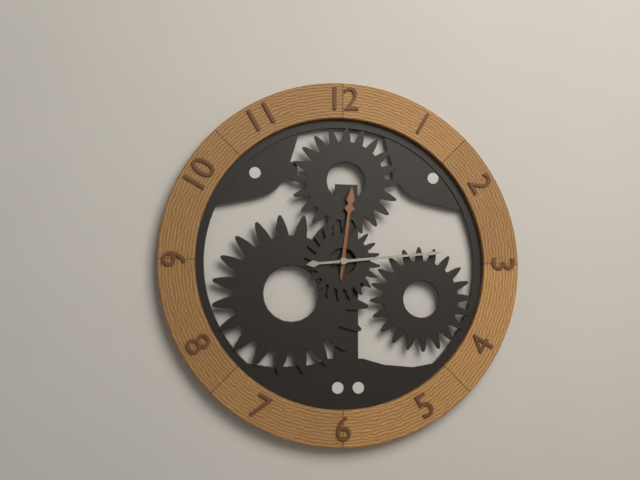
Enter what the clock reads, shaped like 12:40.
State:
12:14
